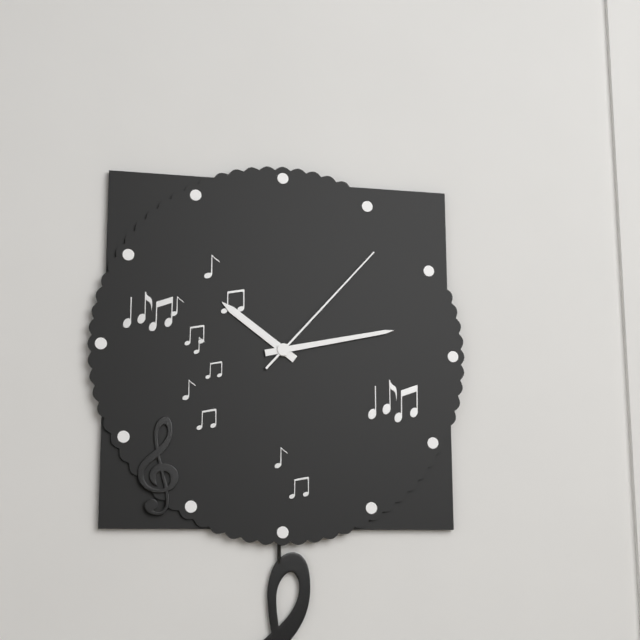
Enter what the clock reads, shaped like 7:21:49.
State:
10:13:07
